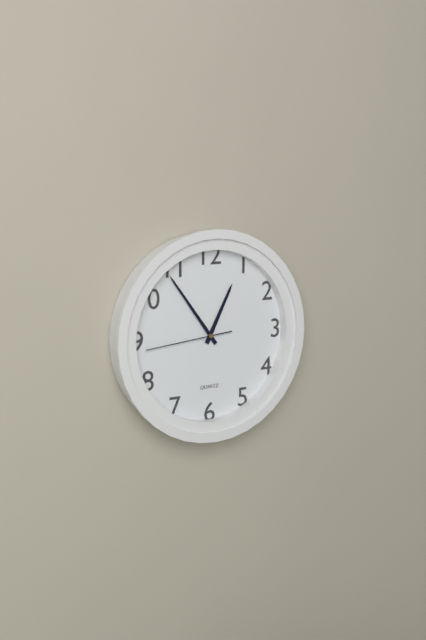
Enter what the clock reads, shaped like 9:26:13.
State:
12:54:44
